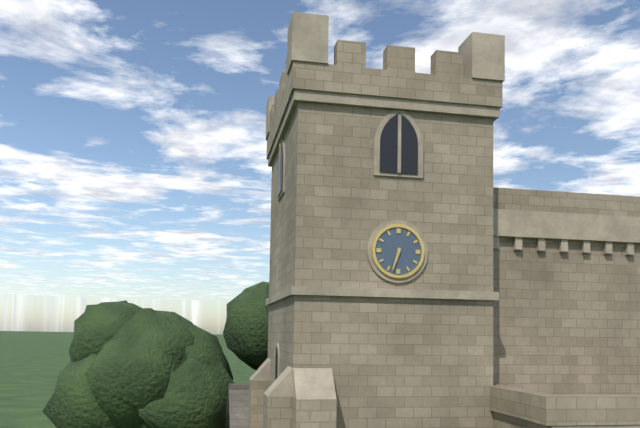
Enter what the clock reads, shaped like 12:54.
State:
6:33
